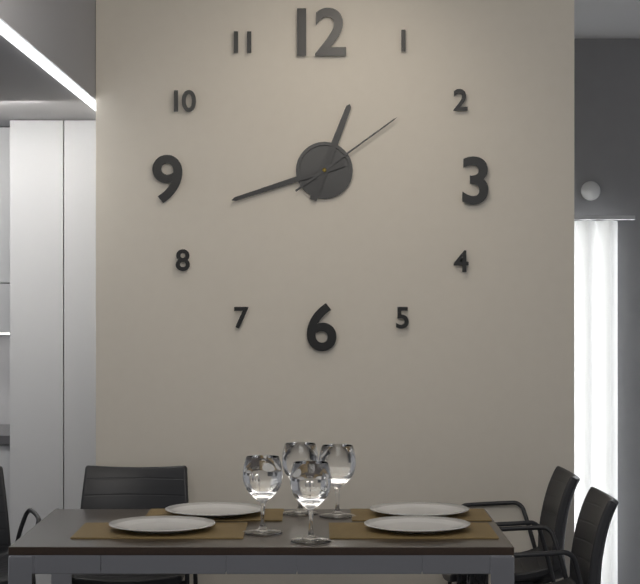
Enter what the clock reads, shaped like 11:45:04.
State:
12:42:09
